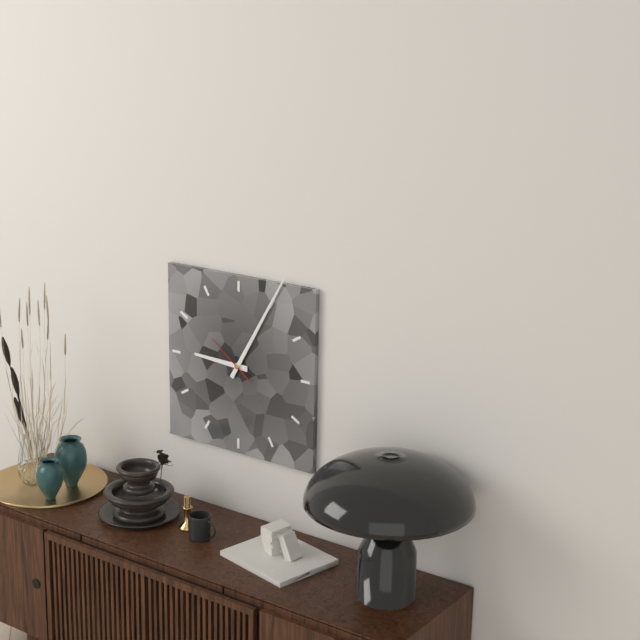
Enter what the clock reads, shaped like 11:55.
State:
9:05
